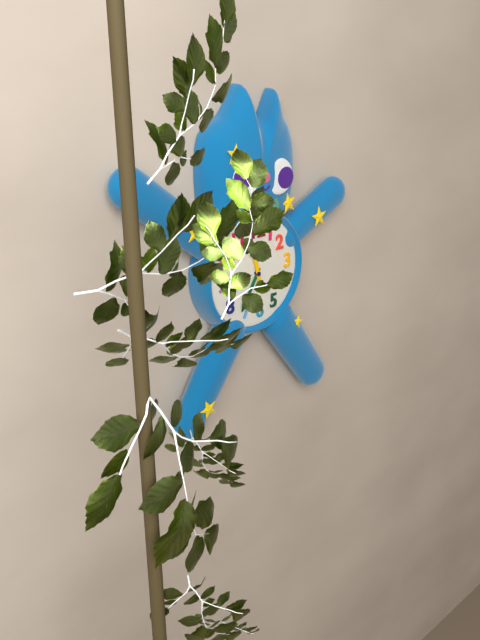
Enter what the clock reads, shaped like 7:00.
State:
11:35
